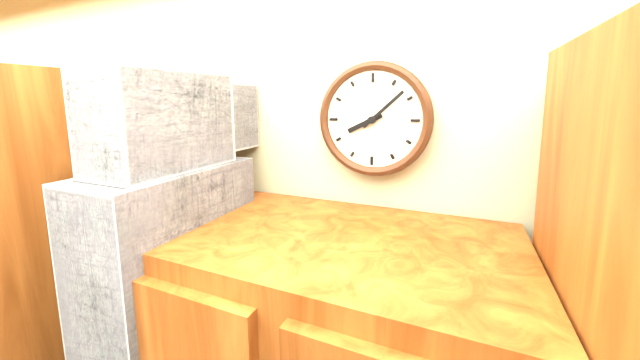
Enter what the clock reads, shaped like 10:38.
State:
8:08
